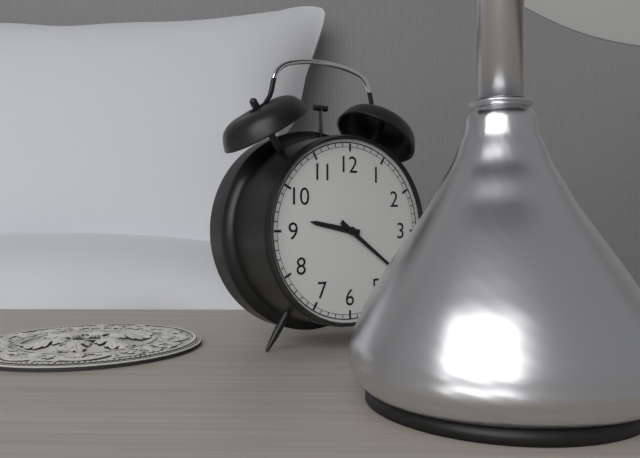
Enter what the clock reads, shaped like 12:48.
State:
9:21
